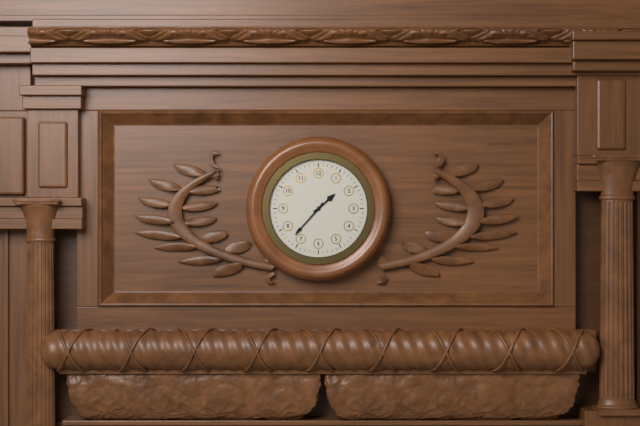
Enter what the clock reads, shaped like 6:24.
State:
1:37
